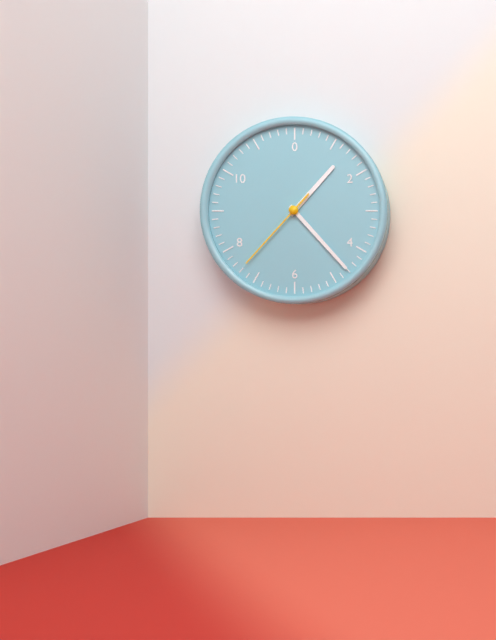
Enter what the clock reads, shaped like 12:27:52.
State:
1:23:37
